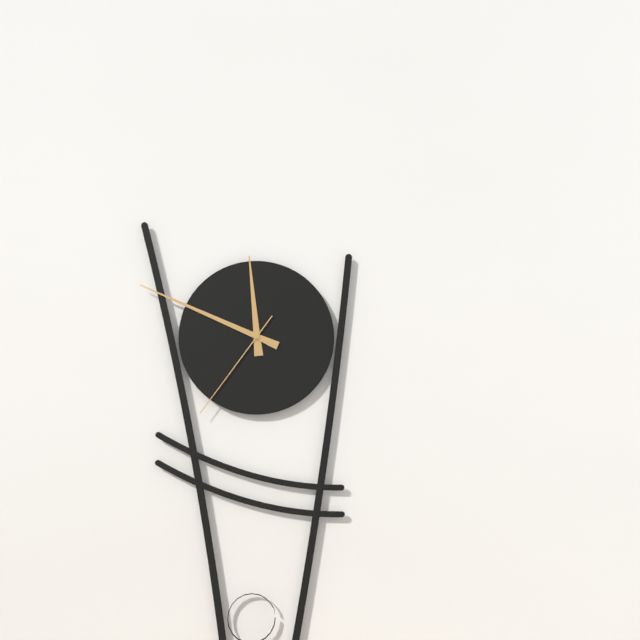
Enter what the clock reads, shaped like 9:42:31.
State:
11:49:36
